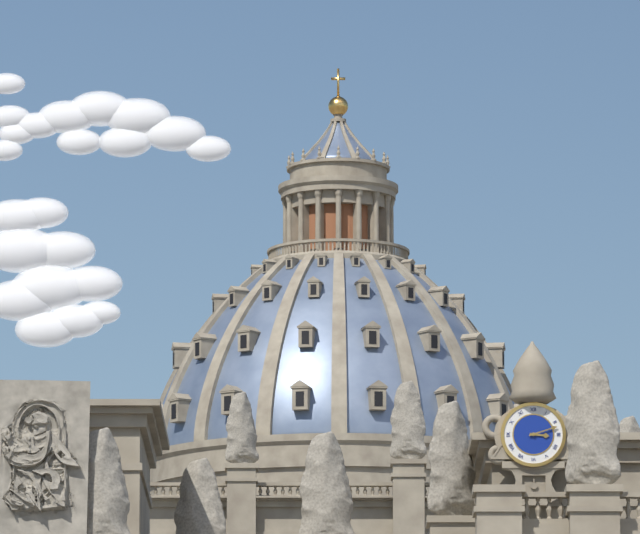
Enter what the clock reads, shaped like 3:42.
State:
3:12
